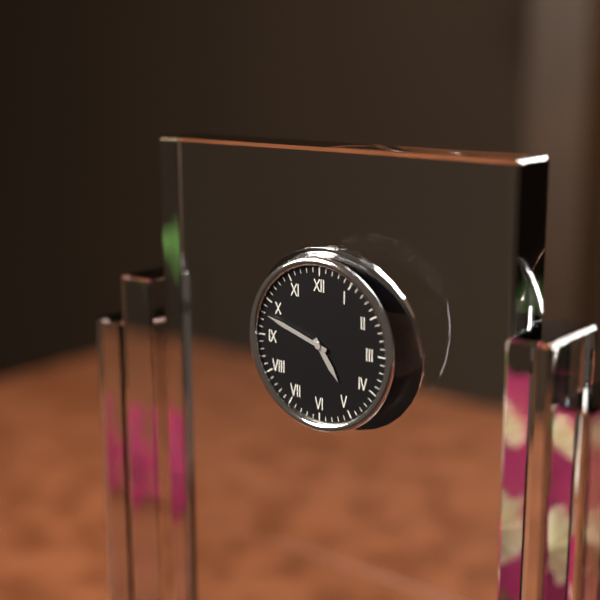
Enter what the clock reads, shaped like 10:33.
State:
4:48
